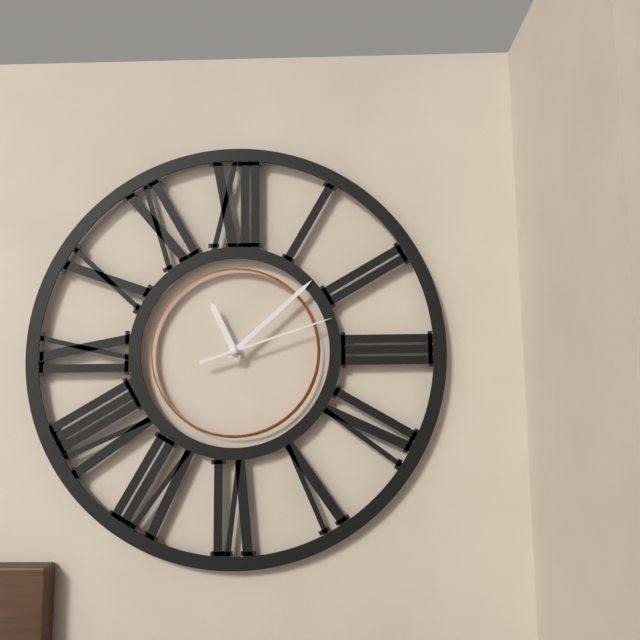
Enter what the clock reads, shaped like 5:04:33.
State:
11:08:12
